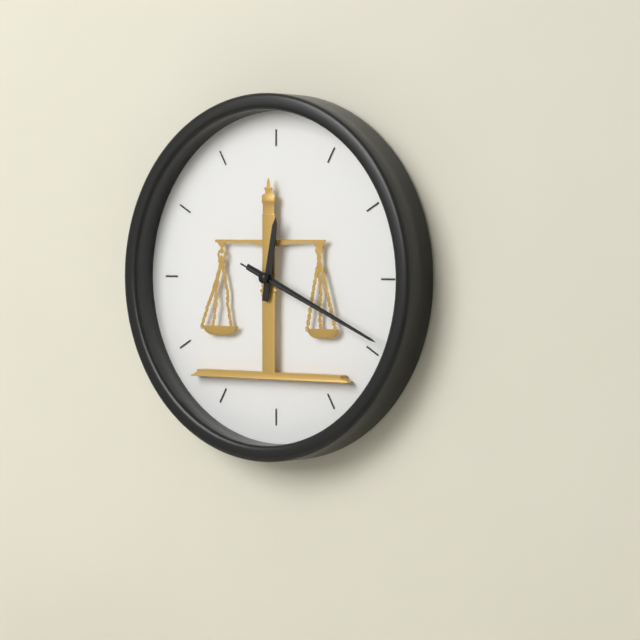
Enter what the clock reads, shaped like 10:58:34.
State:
12:19:19
